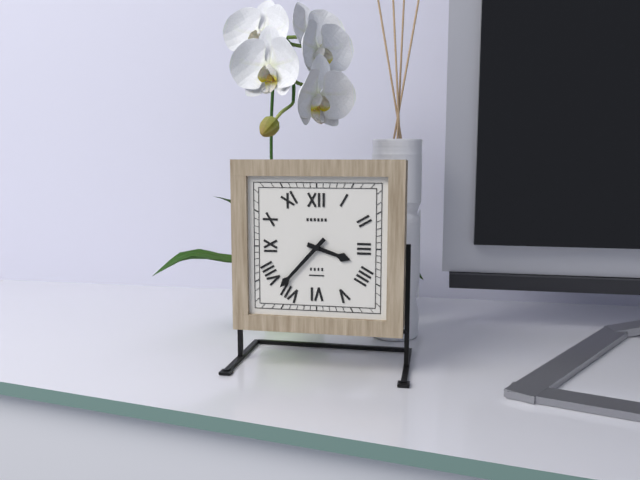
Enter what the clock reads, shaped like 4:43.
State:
3:37
